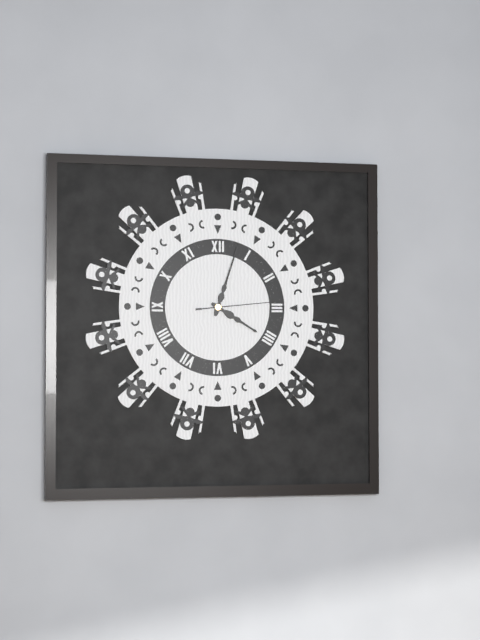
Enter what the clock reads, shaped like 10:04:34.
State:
4:03:14
